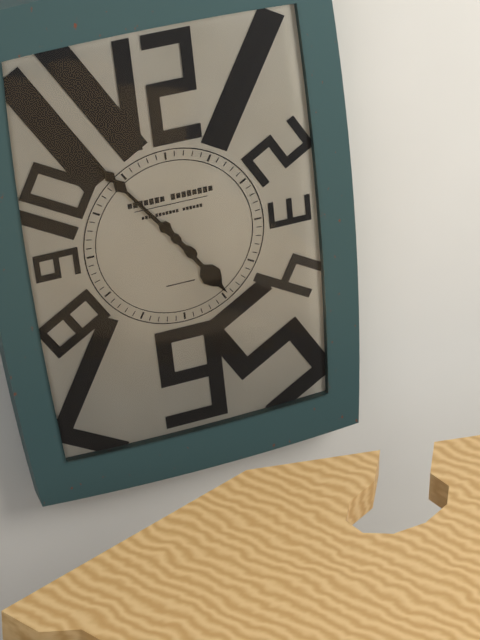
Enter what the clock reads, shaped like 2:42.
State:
4:54
